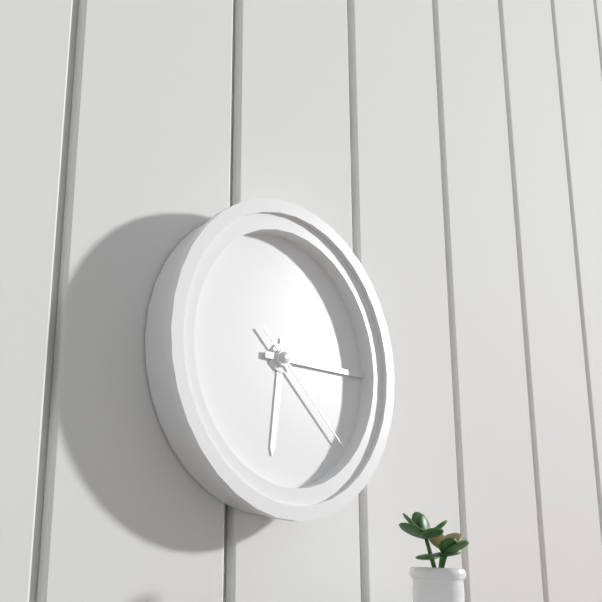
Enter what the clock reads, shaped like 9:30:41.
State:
6:15:22
